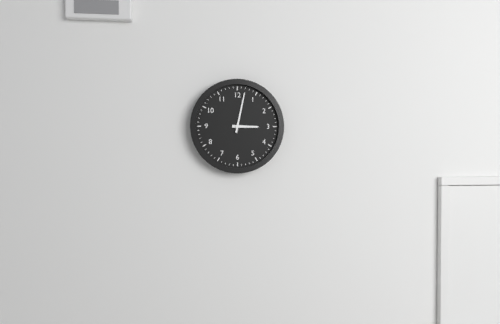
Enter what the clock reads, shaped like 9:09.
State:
3:02
